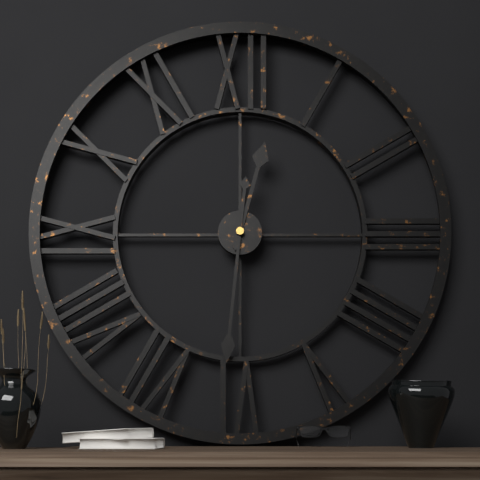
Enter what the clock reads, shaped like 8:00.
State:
12:31
